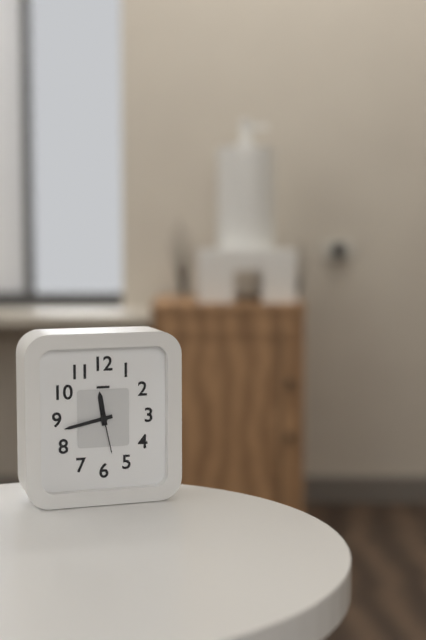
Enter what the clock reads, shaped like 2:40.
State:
11:43
